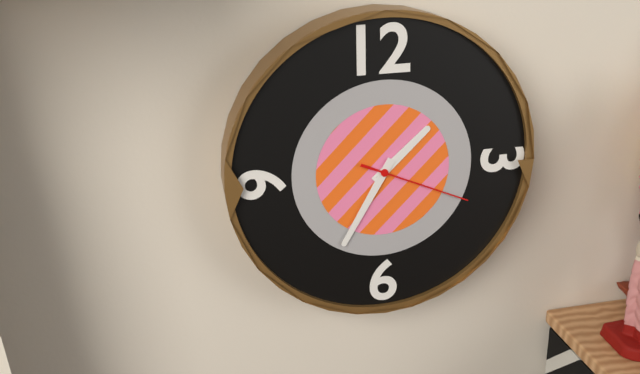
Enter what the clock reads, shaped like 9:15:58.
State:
1:35:19
